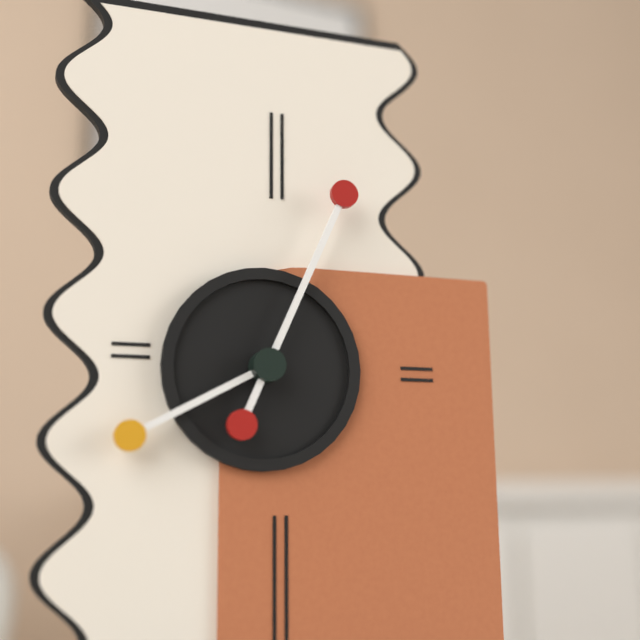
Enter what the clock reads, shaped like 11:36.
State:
8:04
